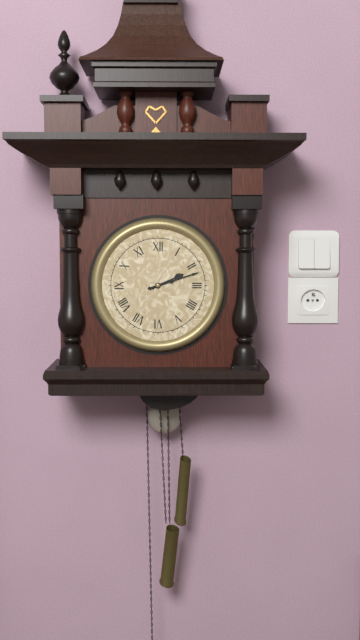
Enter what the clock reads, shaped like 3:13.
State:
2:12
